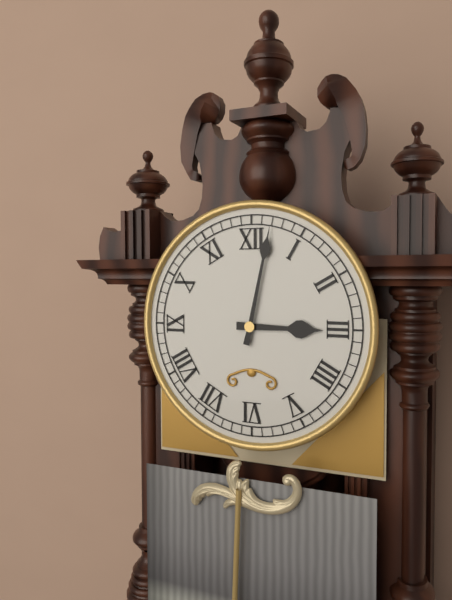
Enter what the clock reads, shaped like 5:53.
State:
3:02
